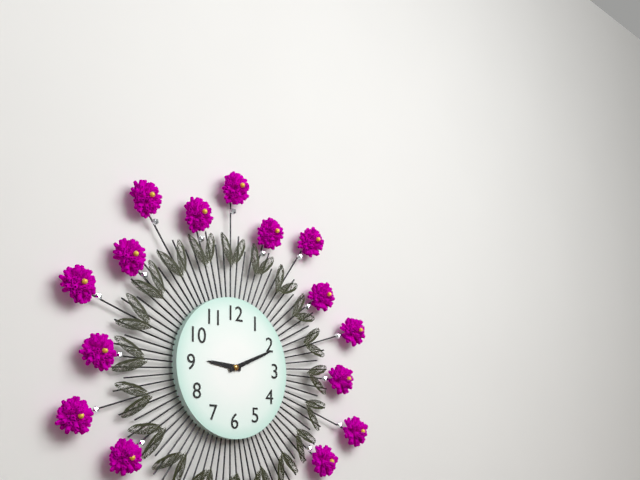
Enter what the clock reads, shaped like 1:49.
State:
9:11
